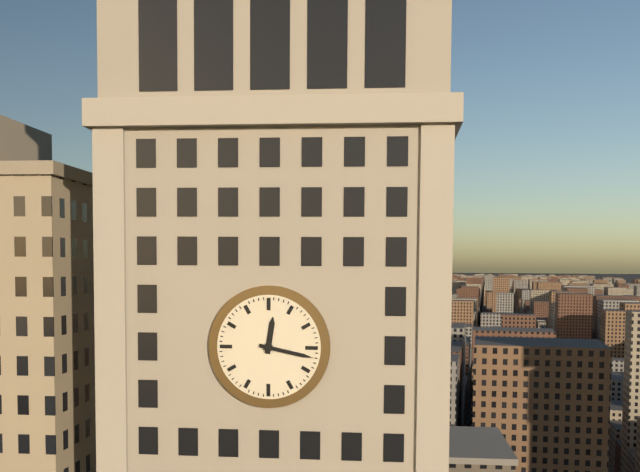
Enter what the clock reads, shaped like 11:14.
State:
12:17
